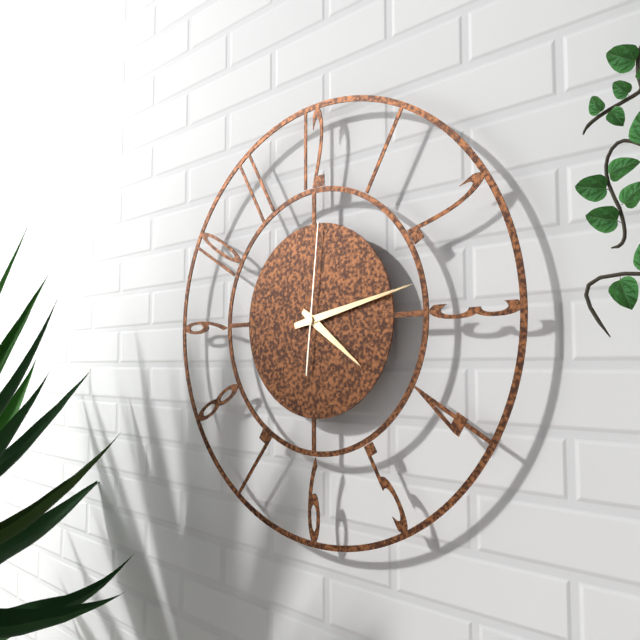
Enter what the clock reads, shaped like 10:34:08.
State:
4:13:01
